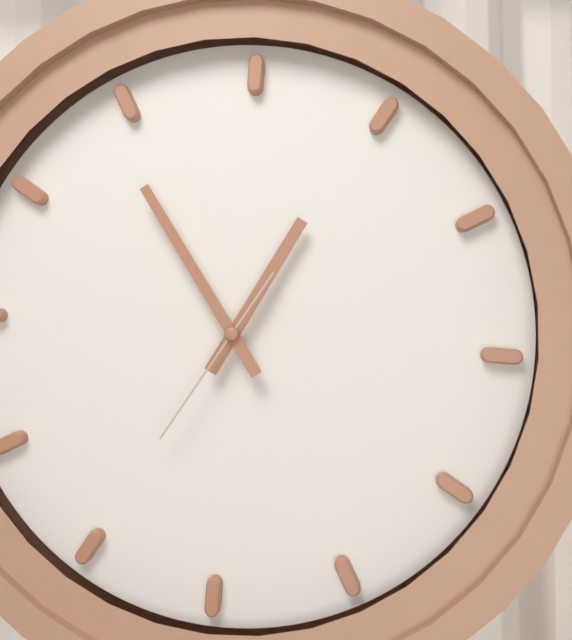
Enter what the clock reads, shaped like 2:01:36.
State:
12:54:35
